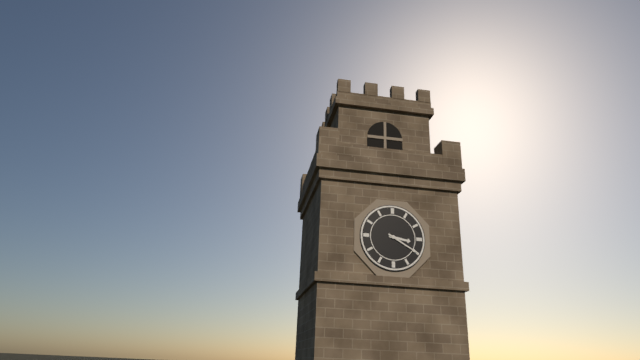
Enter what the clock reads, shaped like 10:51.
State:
3:20
